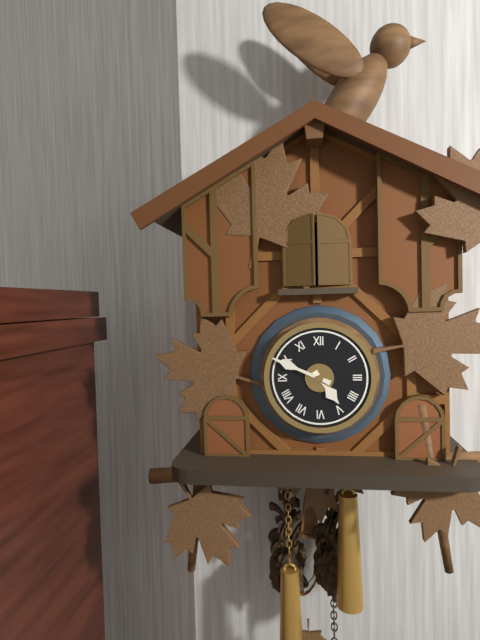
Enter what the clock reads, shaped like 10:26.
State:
4:49
